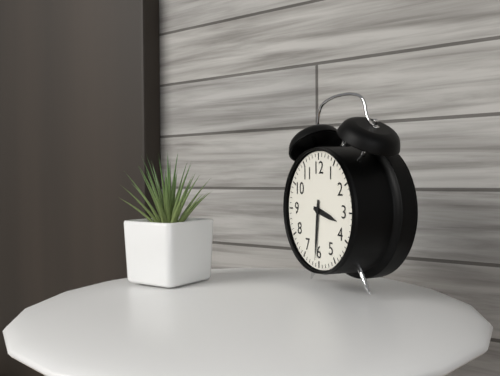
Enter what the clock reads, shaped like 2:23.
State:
3:31
